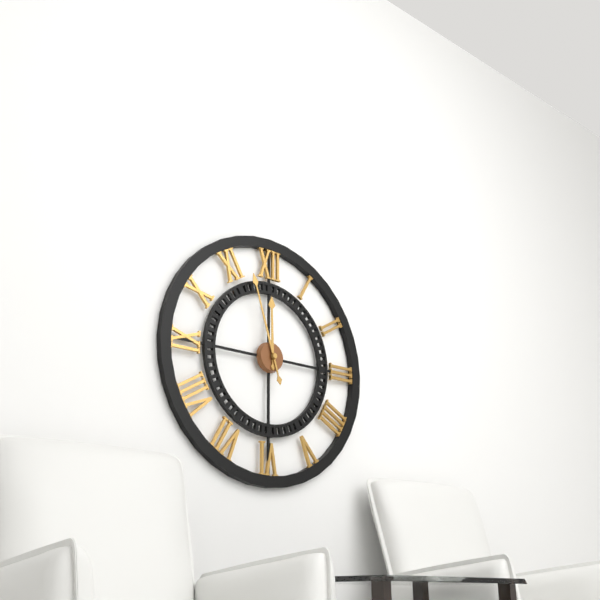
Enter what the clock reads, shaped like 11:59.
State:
11:57
